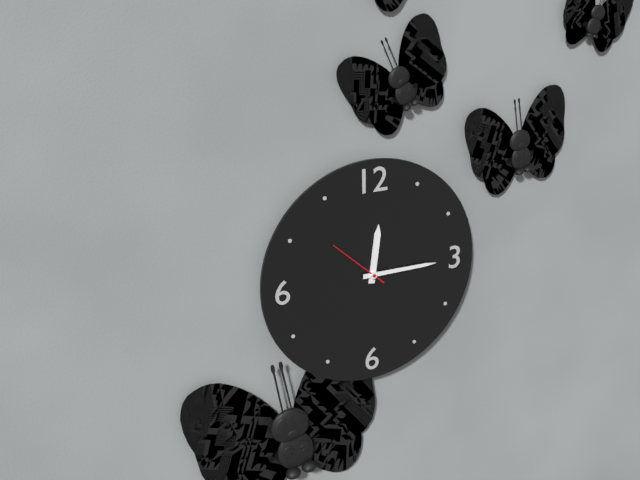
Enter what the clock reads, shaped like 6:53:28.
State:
12:15:52
